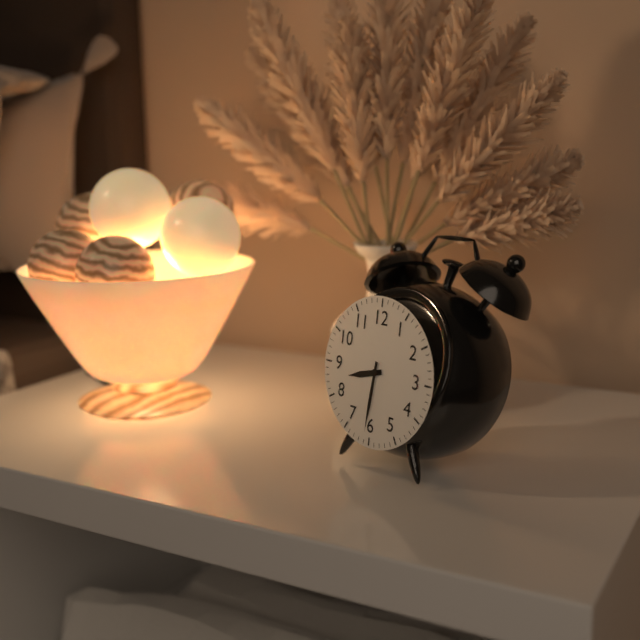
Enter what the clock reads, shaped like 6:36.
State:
8:31
